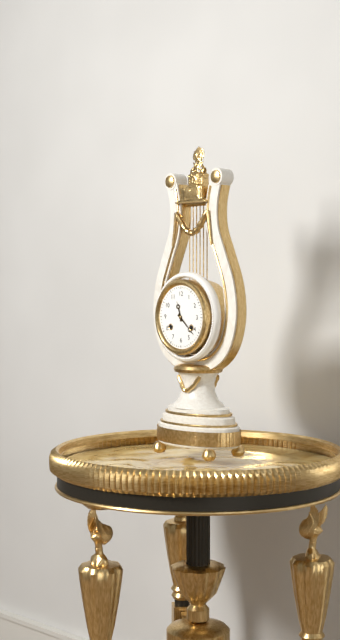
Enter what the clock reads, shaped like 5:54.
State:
11:22
